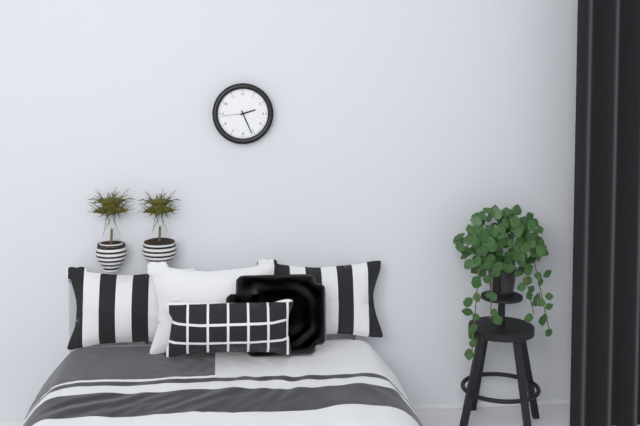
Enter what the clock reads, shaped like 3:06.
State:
2:26
